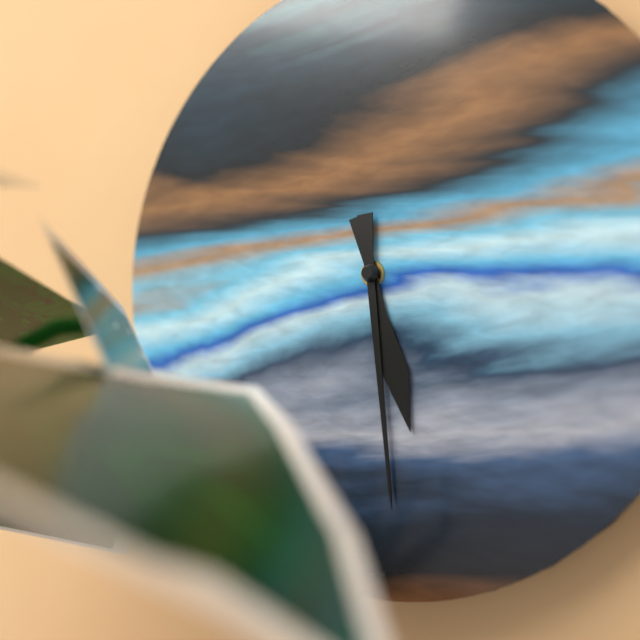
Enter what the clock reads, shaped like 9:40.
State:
5:29
